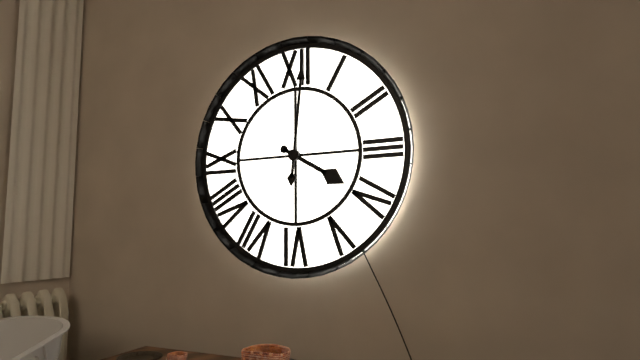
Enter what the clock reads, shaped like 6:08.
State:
4:01
